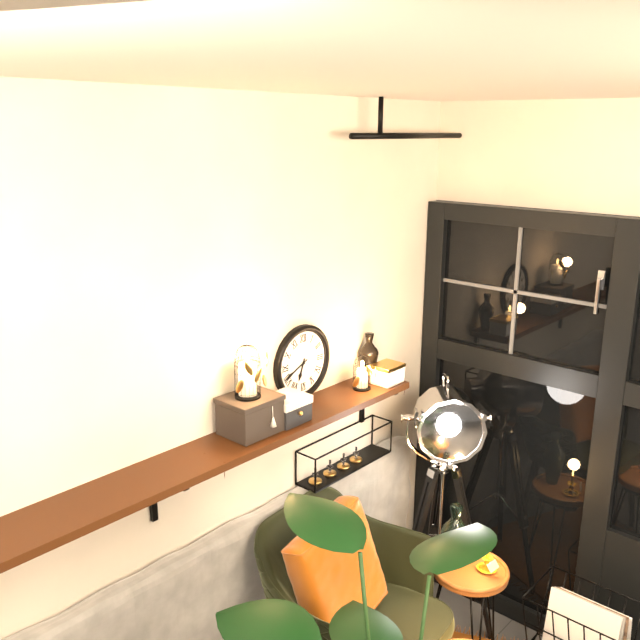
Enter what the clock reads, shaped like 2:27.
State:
6:41
